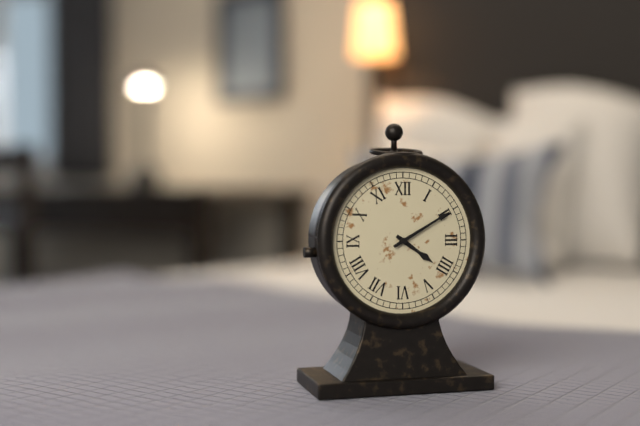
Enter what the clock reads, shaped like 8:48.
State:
4:10
